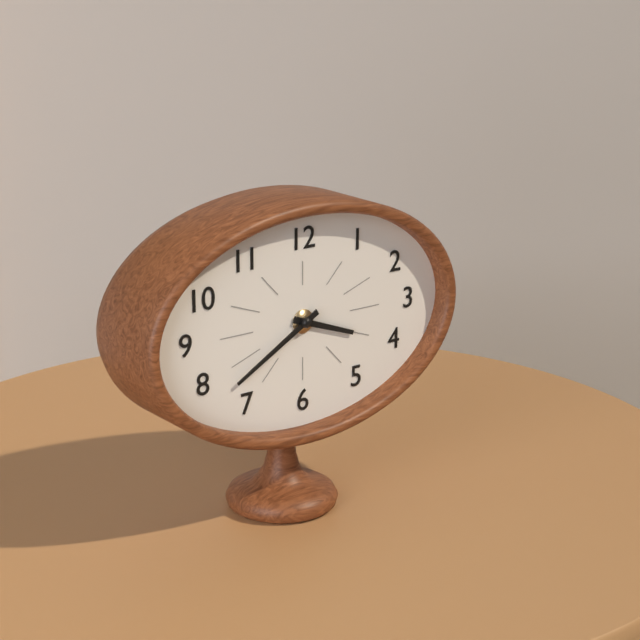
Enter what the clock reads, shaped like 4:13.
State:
3:40
